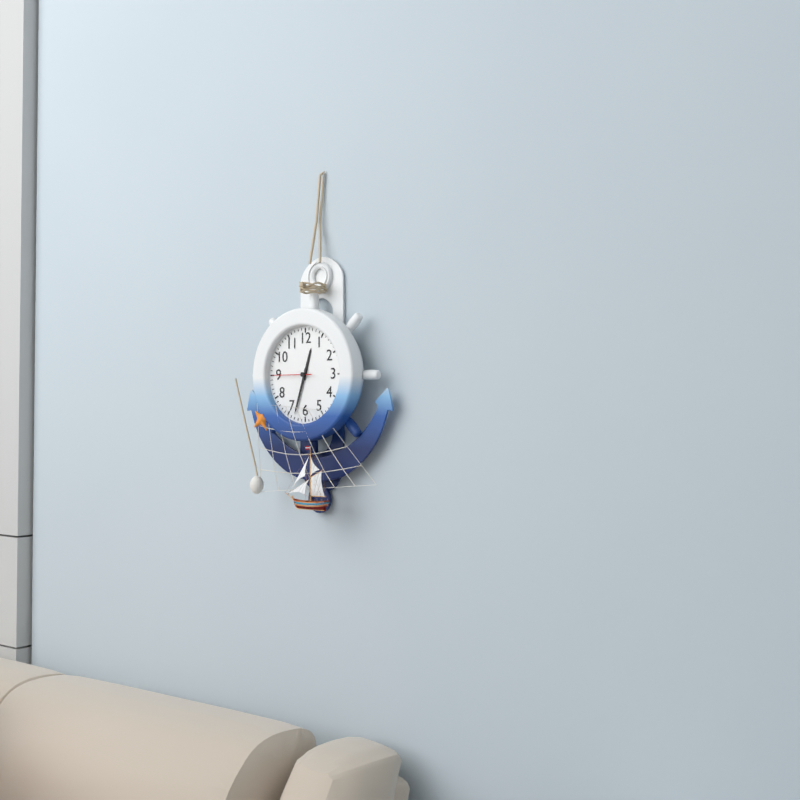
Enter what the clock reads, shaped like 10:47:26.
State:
12:33:45
